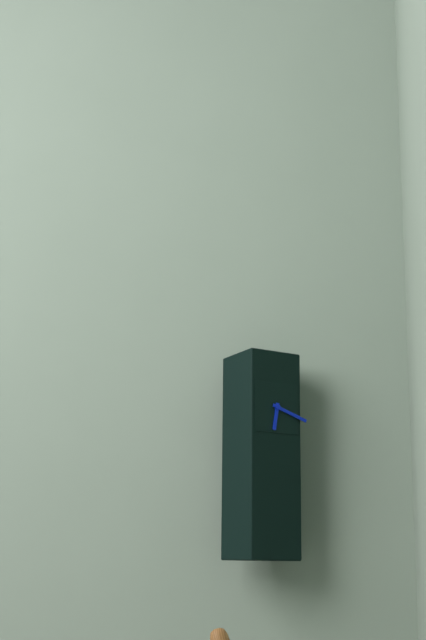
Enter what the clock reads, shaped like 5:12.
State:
6:18
